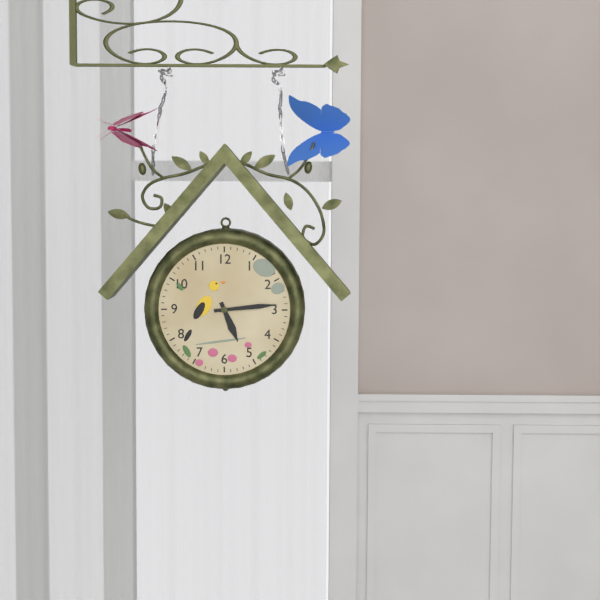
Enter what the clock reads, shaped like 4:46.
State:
5:14
